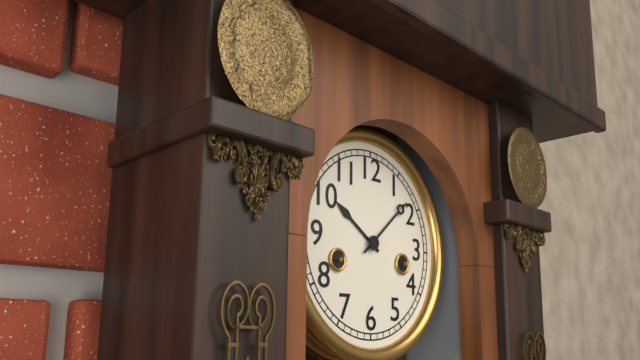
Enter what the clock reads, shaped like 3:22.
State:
10:08
